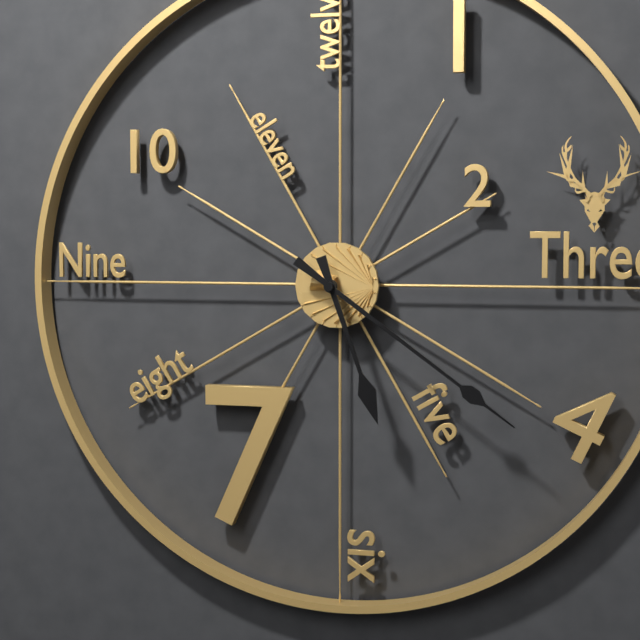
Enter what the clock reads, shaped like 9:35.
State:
5:21
